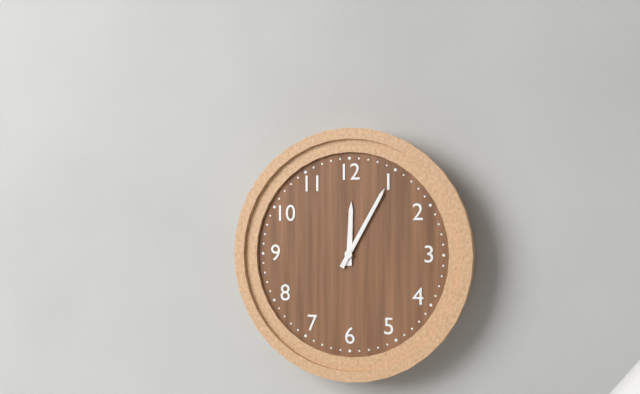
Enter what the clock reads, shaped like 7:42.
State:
12:05
